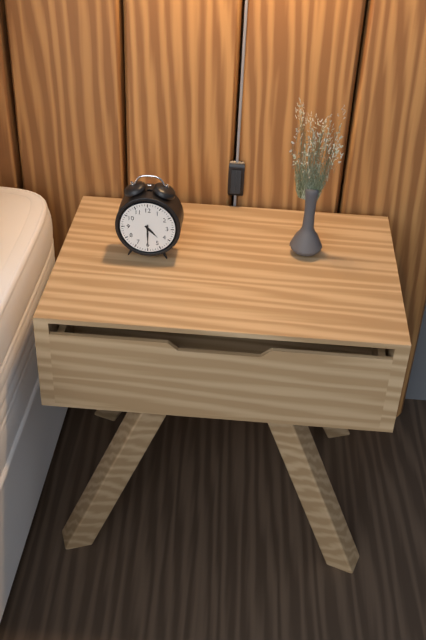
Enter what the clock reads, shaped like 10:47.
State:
4:30
